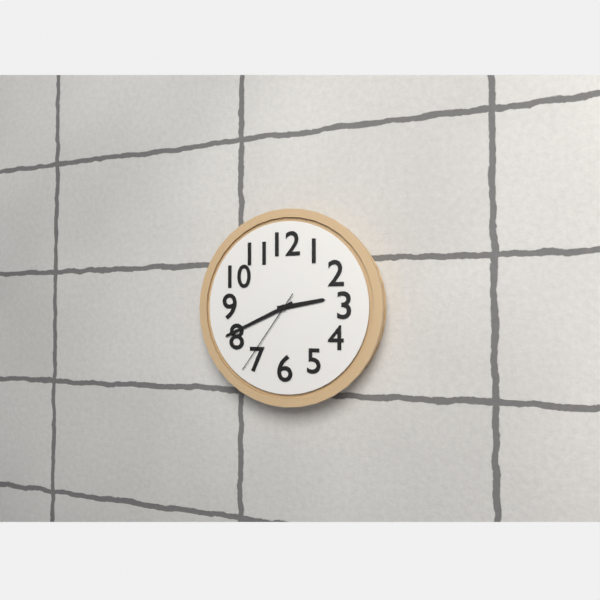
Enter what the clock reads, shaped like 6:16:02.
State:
2:41:36
